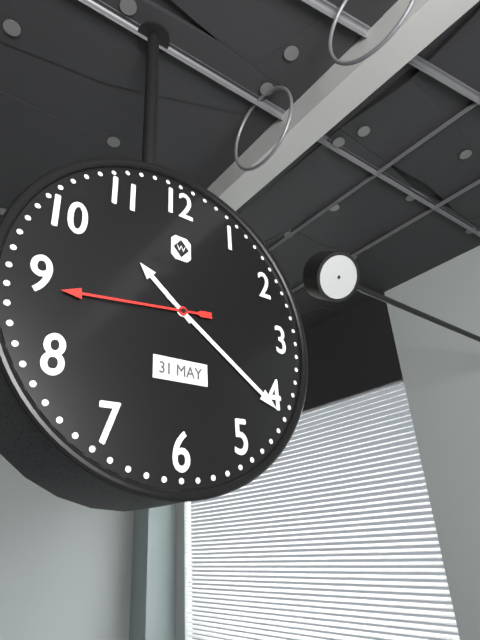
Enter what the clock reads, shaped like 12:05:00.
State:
10:21:44
